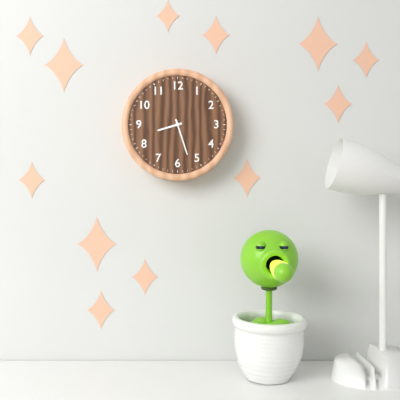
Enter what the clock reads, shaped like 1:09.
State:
8:27
